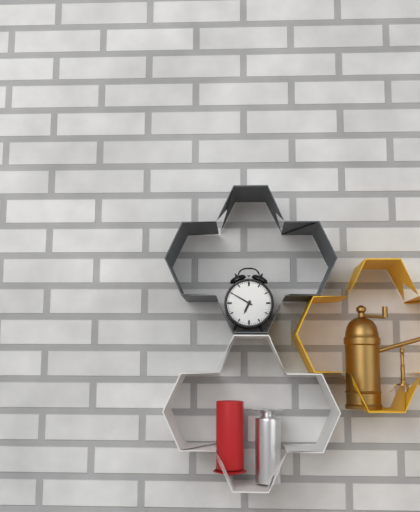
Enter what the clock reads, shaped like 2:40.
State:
6:50
